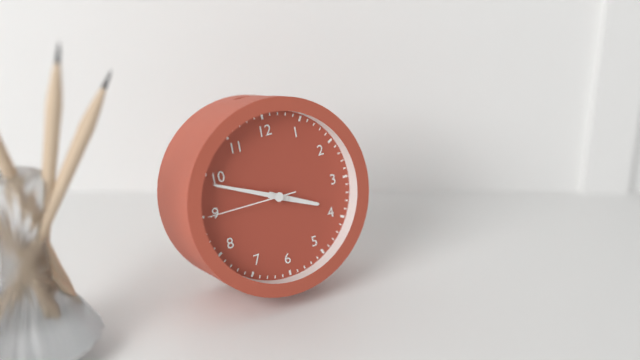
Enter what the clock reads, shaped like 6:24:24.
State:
3:49:45
